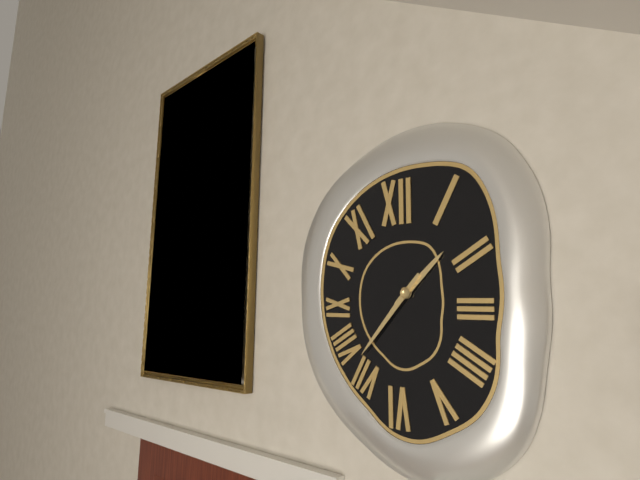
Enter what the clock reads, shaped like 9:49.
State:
1:37
